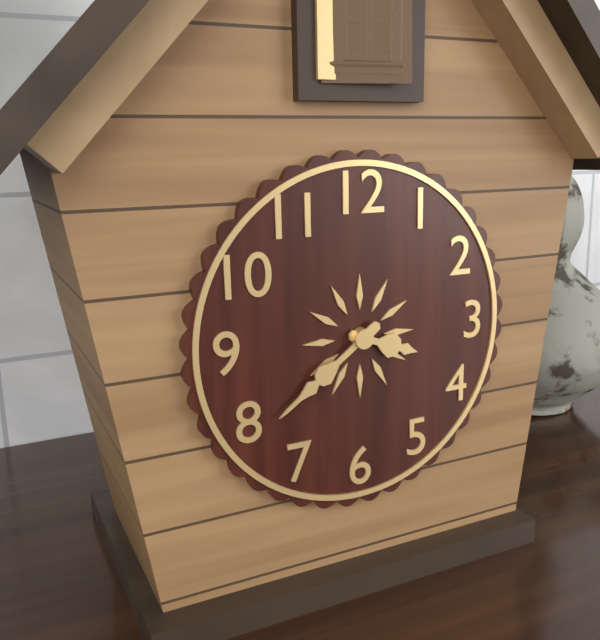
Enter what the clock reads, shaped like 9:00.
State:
3:39
